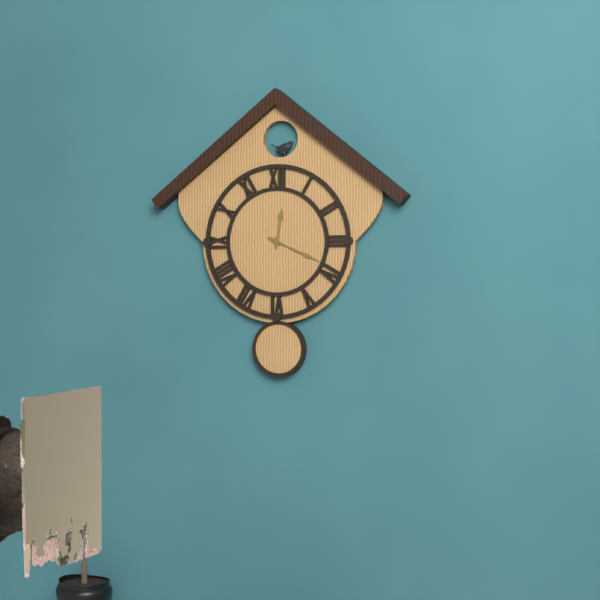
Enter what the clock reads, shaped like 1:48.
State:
12:19
